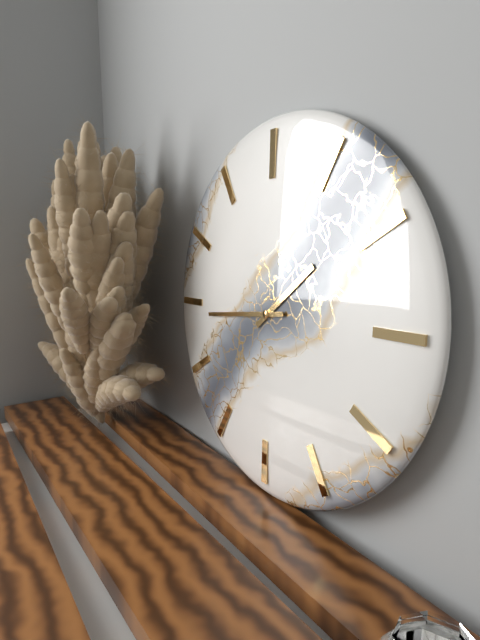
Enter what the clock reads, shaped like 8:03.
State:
1:44
